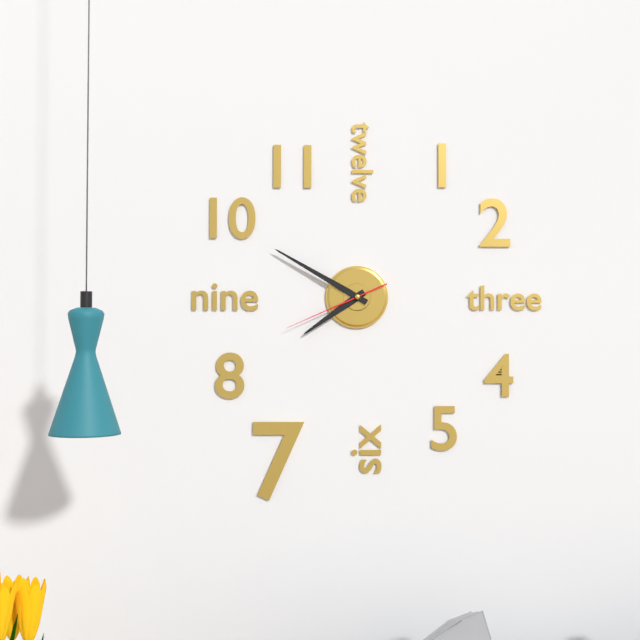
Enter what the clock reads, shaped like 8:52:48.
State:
7:50:41
